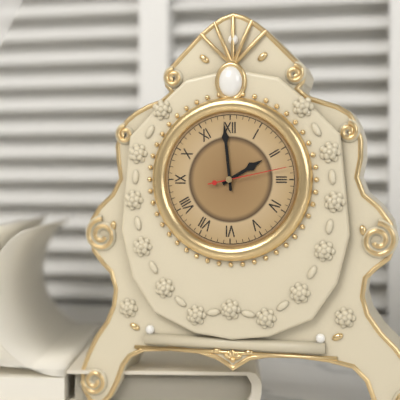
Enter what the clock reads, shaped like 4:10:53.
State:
1:59:13
